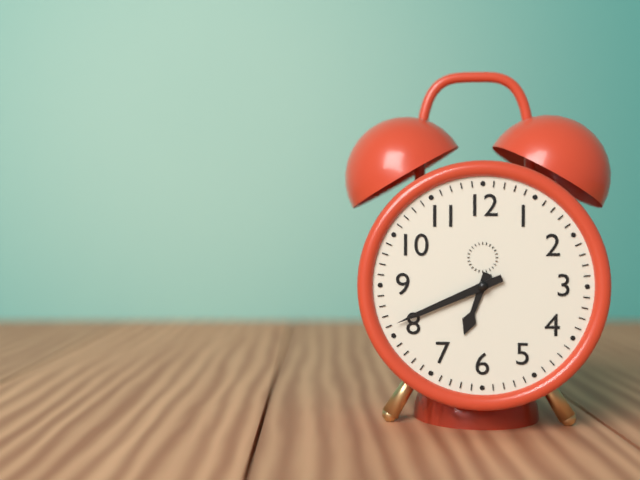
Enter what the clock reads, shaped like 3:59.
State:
6:41
